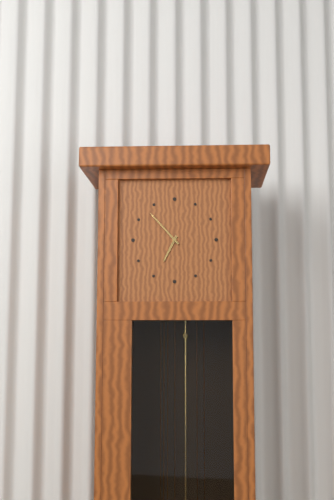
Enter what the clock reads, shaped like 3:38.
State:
6:53
